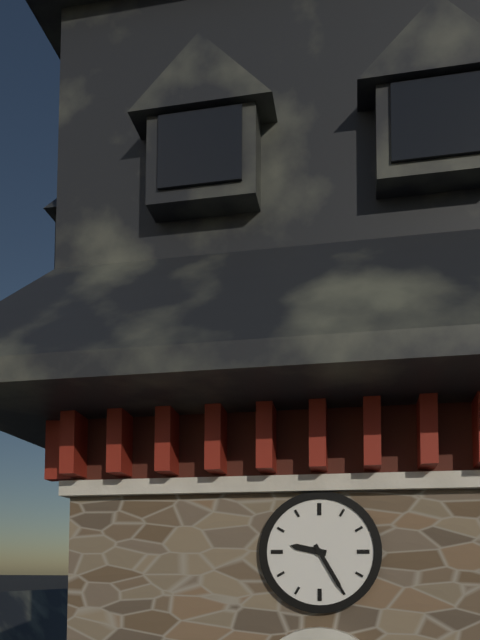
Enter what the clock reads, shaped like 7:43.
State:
9:25
